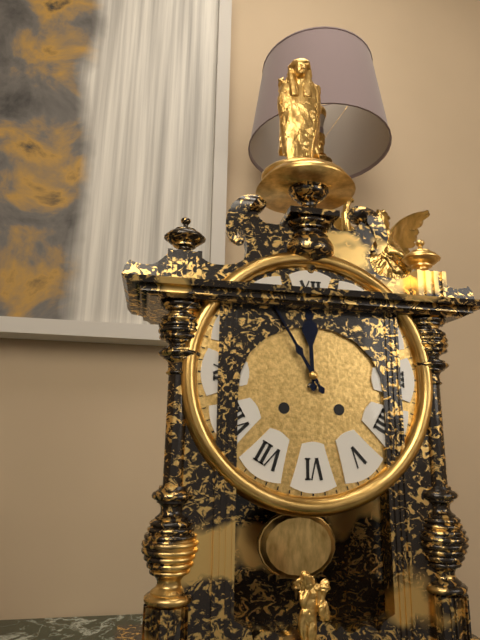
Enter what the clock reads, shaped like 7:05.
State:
11:55
